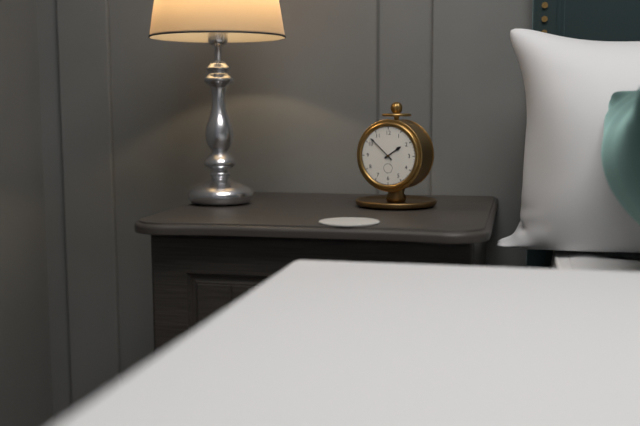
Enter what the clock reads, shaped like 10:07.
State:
1:52
